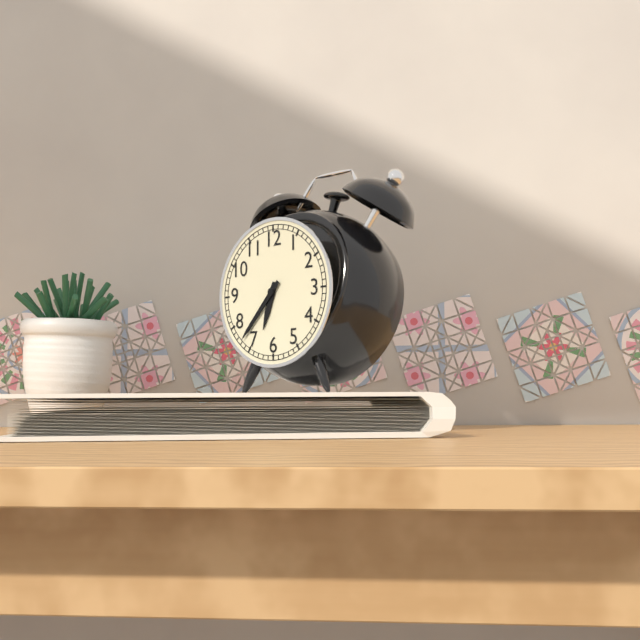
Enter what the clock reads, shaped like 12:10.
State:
6:37
